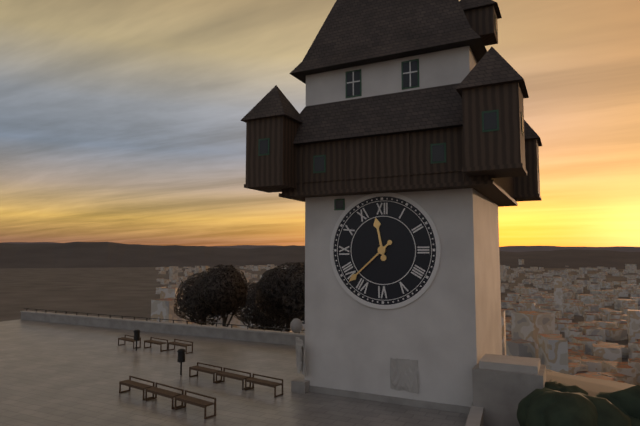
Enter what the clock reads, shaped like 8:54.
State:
11:38
